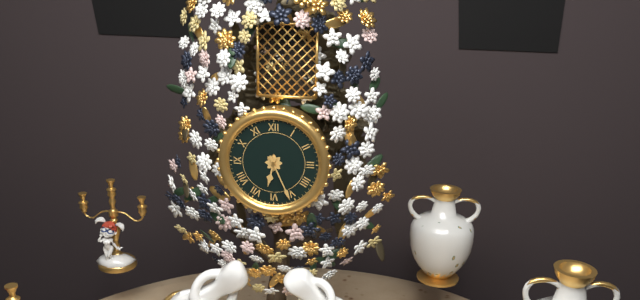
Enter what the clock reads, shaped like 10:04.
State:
6:26
